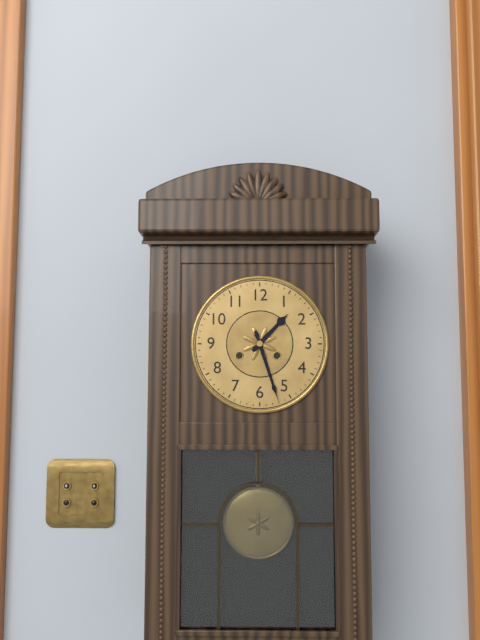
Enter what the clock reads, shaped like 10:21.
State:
1:27
